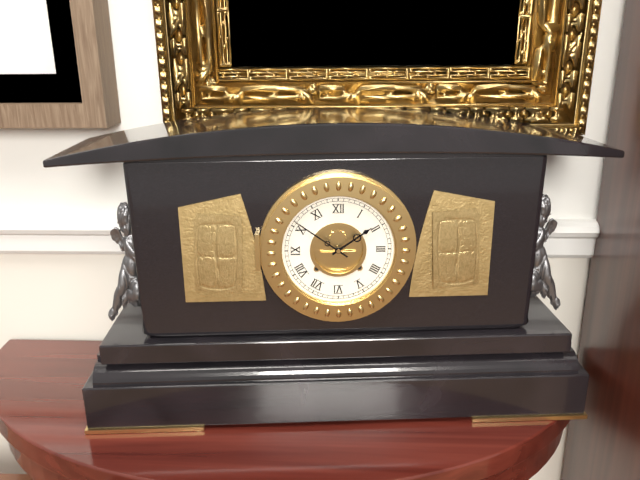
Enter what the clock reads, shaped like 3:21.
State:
1:51
